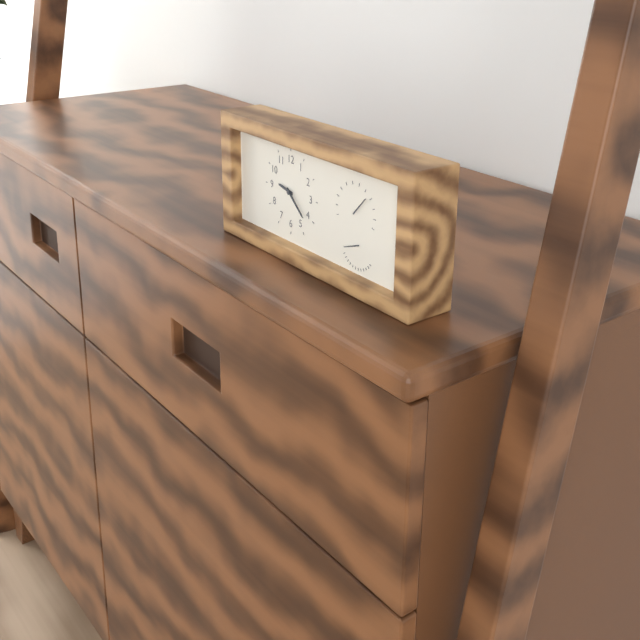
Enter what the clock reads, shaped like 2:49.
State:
9:22
